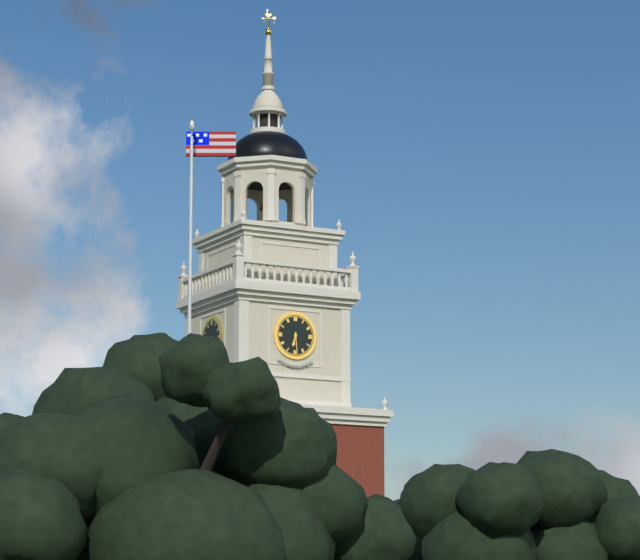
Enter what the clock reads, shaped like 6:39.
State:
6:29
